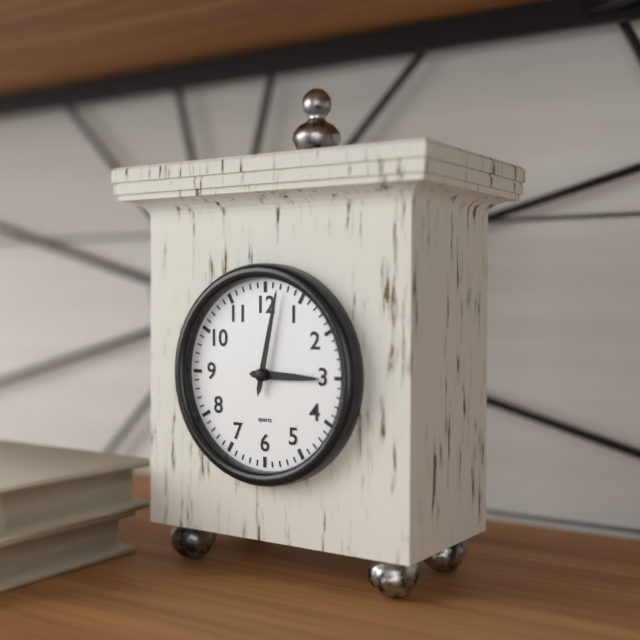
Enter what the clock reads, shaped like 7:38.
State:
3:02
